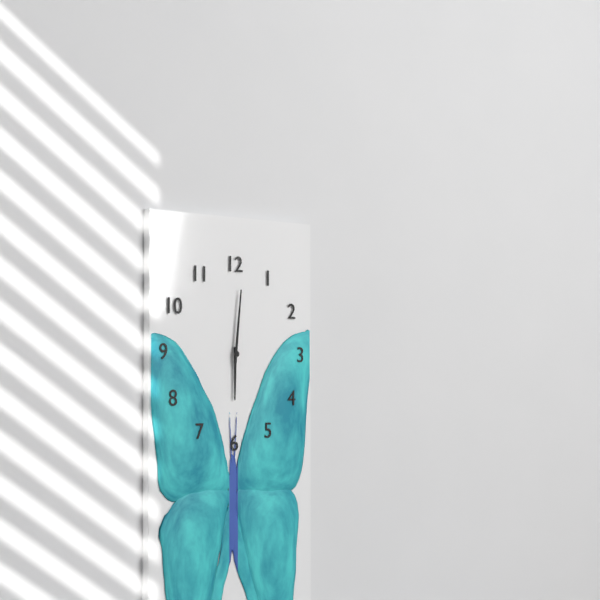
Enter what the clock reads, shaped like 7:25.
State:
6:01
